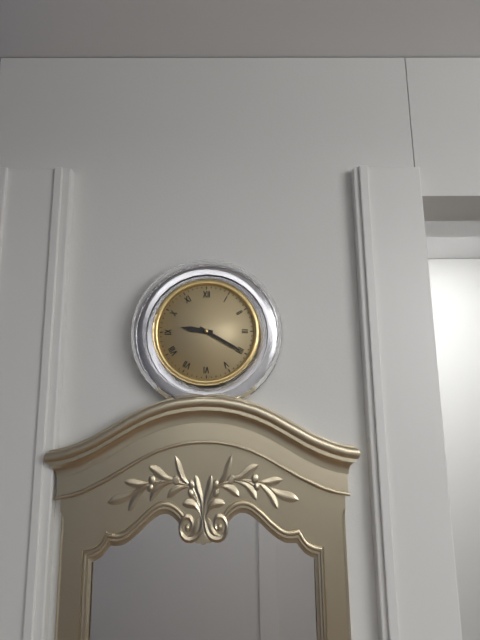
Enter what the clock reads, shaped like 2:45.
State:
9:20
